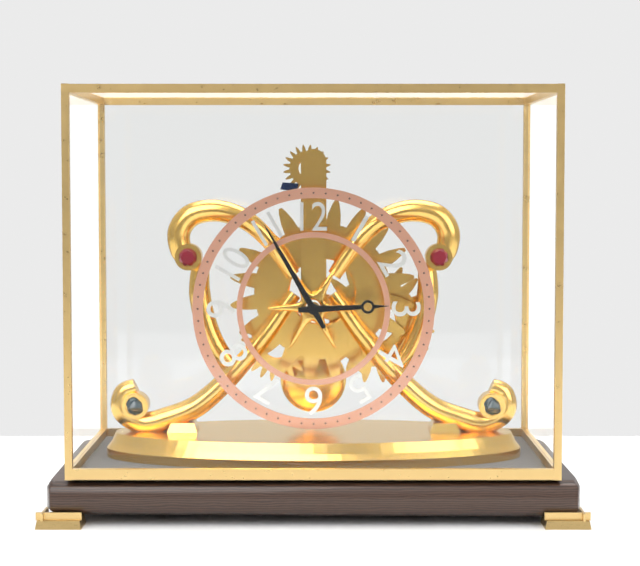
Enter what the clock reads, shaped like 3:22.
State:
2:55
